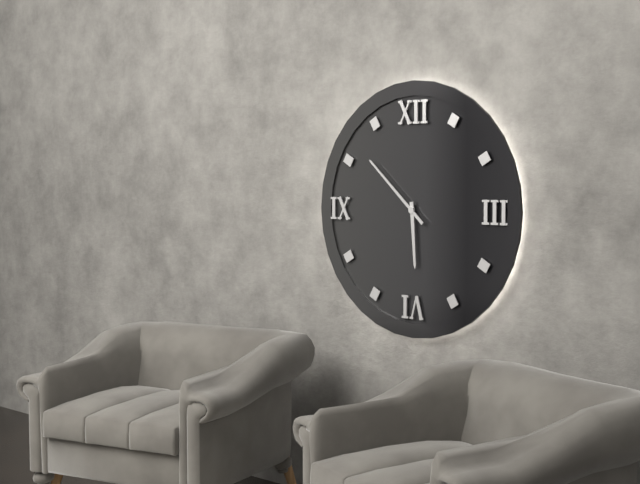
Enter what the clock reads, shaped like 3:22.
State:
5:52
